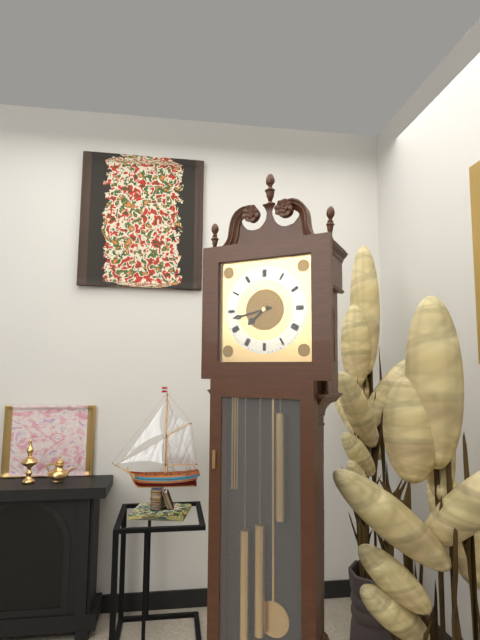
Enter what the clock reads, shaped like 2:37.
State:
7:43
